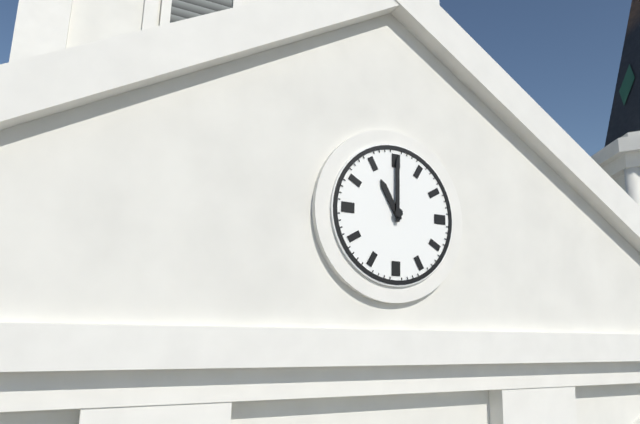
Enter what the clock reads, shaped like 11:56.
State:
11:00
